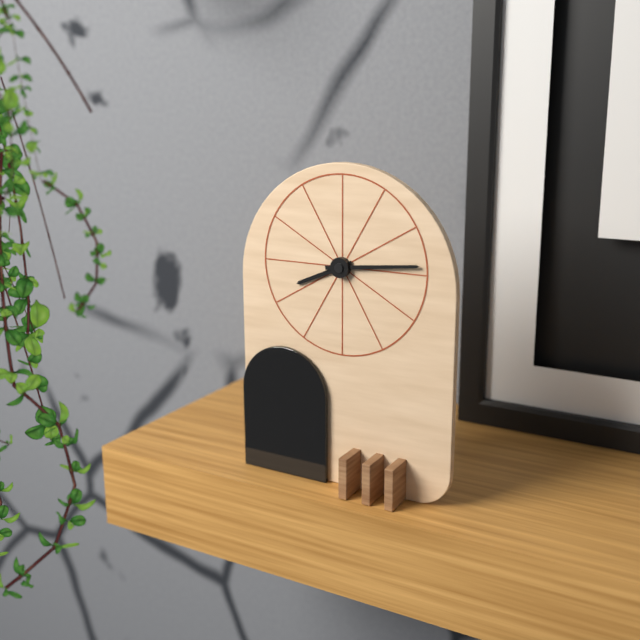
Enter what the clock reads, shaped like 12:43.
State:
8:14
